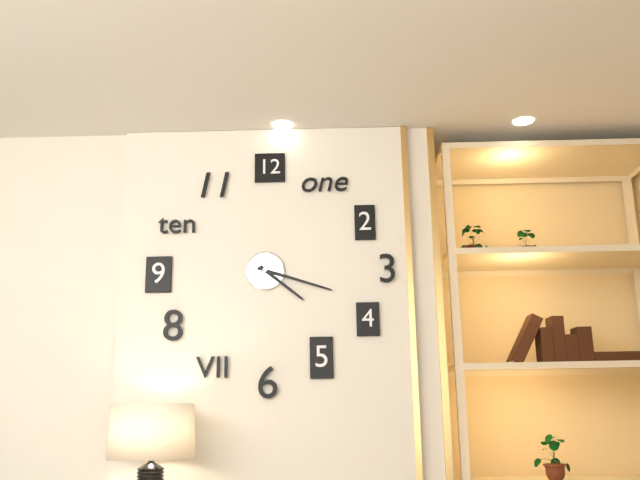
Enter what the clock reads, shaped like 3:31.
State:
4:18
